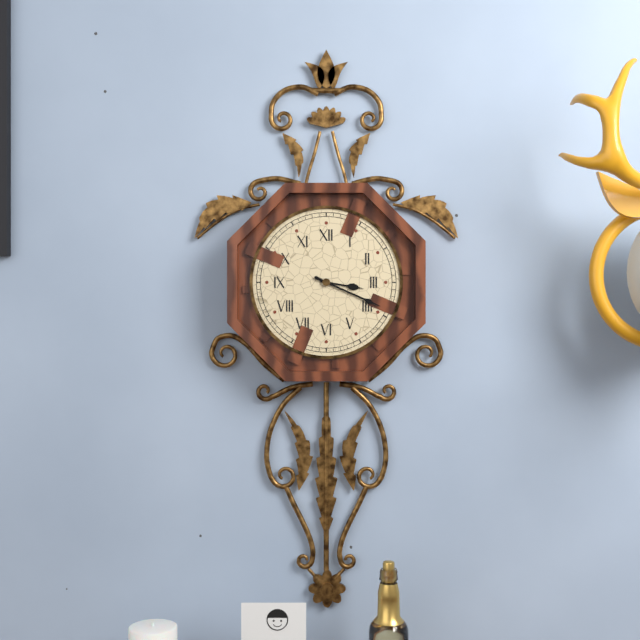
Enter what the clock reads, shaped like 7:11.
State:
3:19
